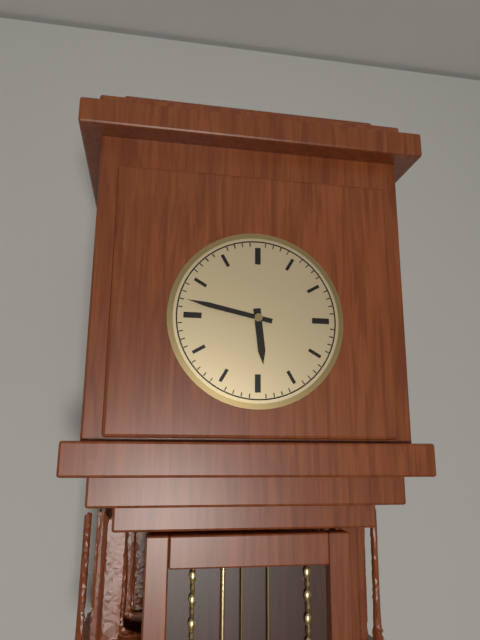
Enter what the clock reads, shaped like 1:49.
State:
5:47
